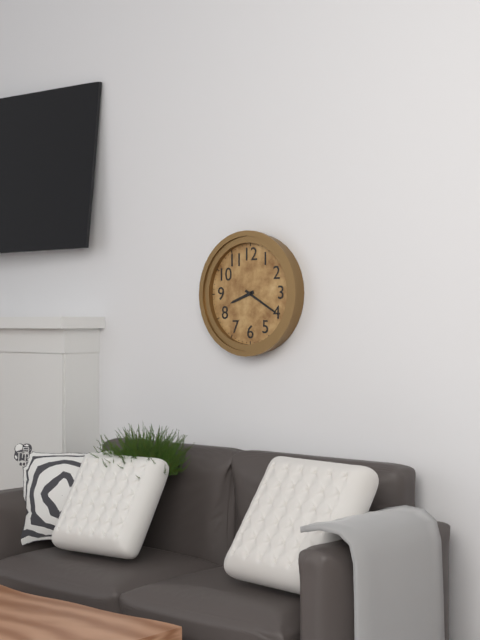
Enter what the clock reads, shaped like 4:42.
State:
8:20
